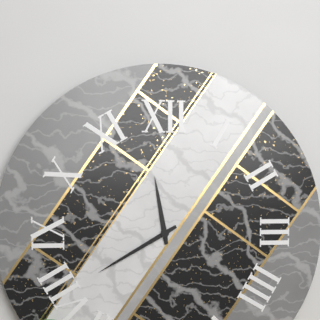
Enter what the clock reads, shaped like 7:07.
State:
11:40
